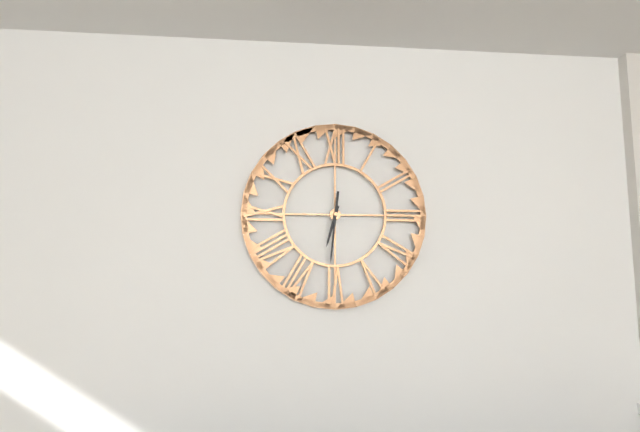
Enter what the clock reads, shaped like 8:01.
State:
6:31
